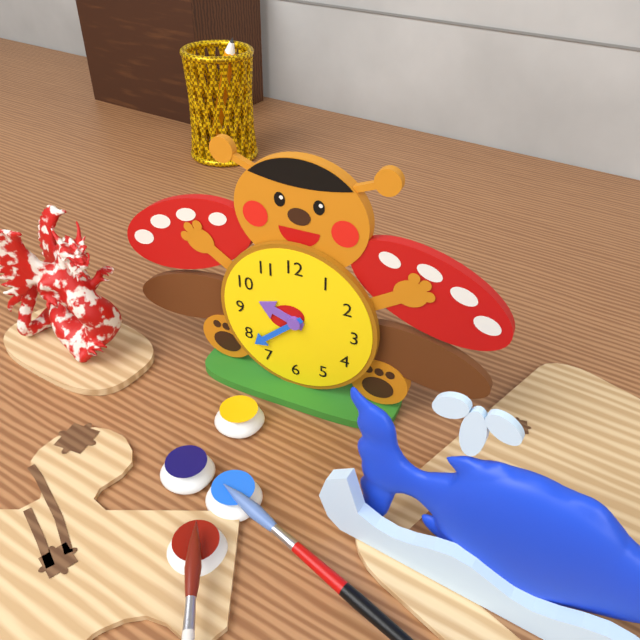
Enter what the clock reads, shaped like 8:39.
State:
9:38
